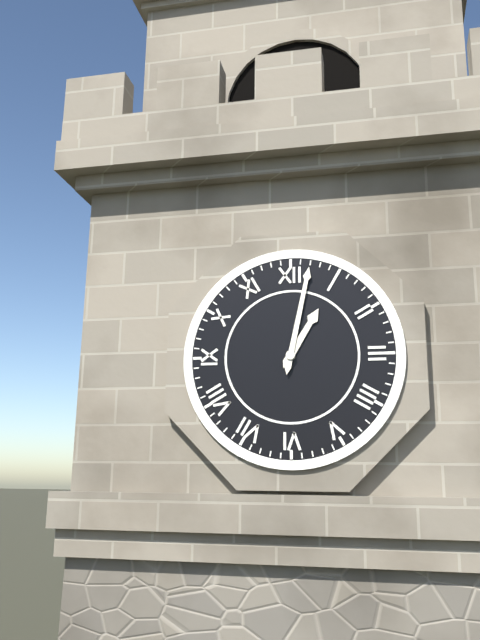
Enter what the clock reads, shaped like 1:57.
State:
1:02
